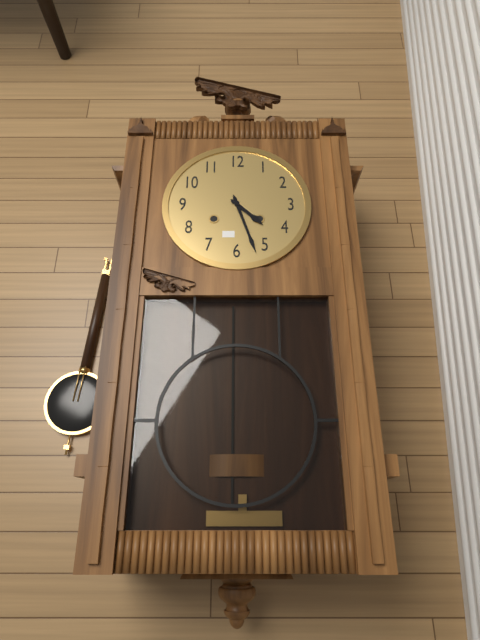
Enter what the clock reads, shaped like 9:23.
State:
4:27
